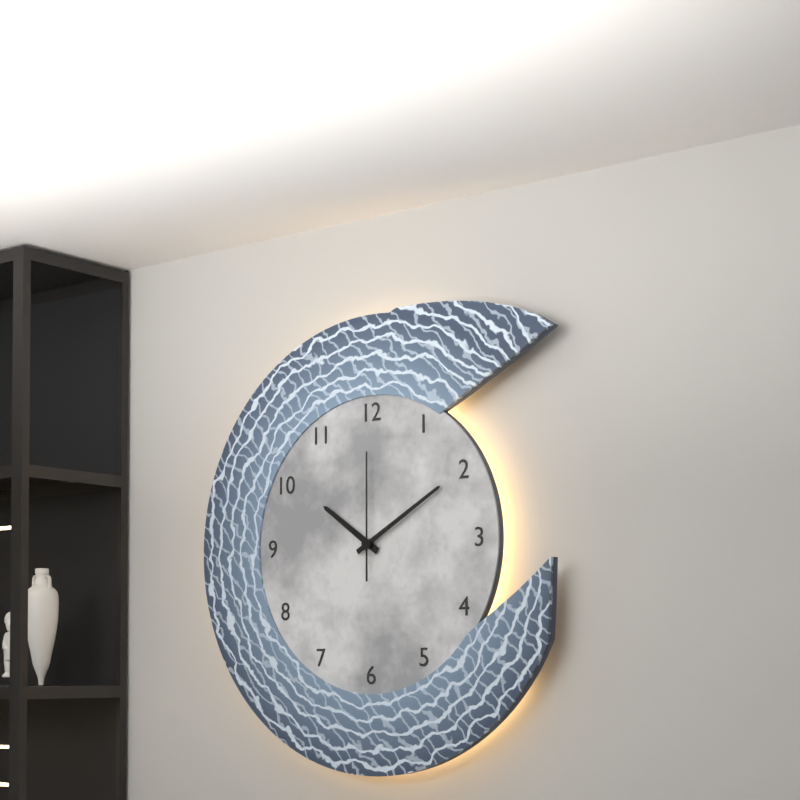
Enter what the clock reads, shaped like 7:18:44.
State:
10:10:00
